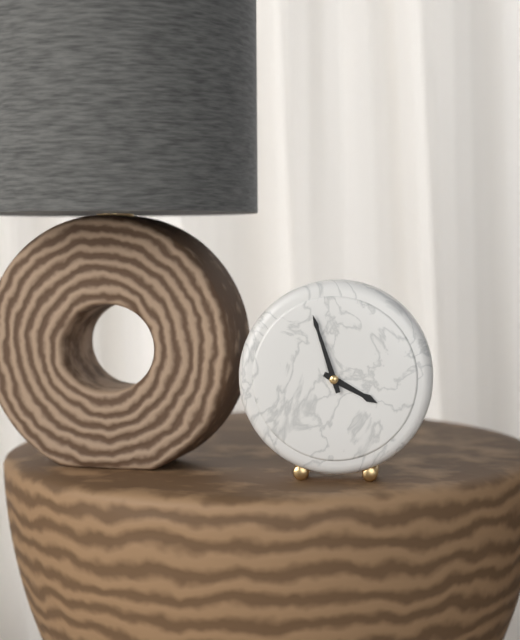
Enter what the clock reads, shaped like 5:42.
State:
3:57
